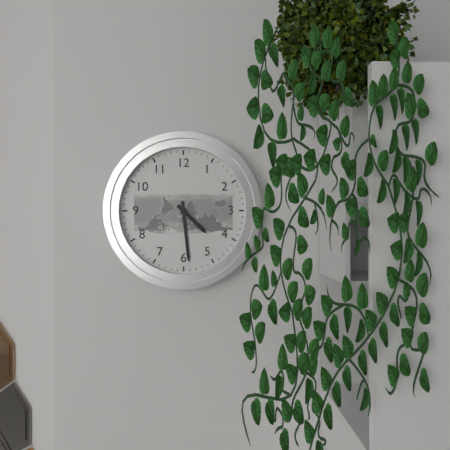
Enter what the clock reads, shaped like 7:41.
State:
4:29
